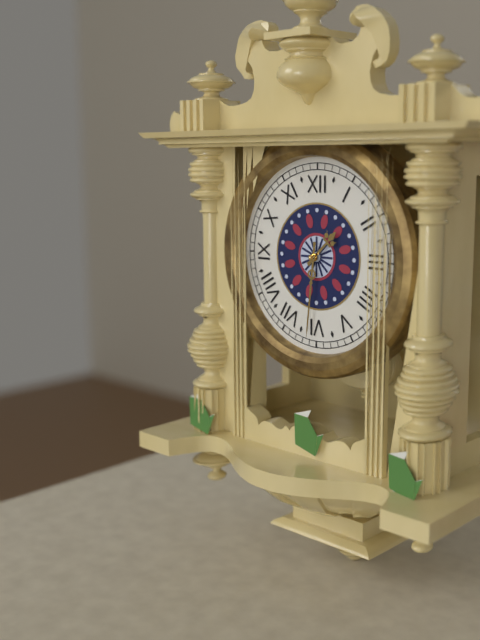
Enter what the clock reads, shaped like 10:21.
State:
1:31
